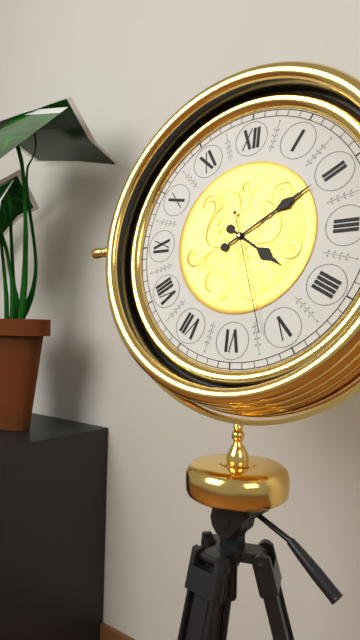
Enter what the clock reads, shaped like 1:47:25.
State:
4:10:27
